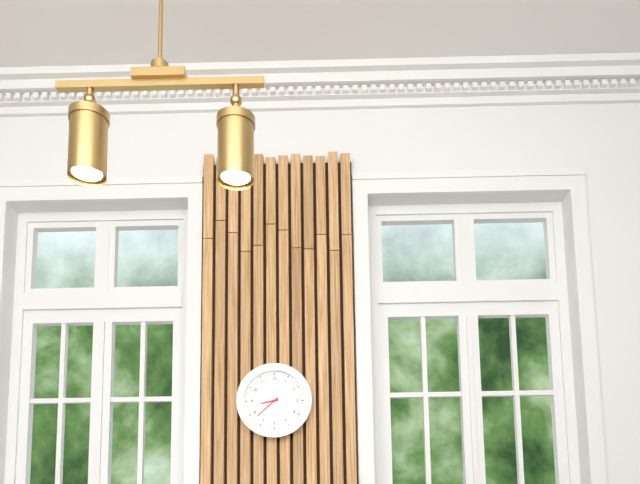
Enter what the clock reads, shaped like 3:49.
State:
8:38
